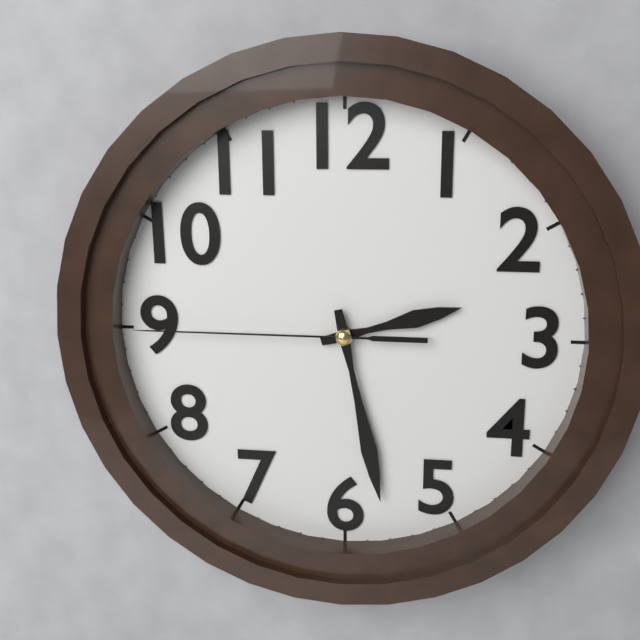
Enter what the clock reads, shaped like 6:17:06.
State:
2:28:45
